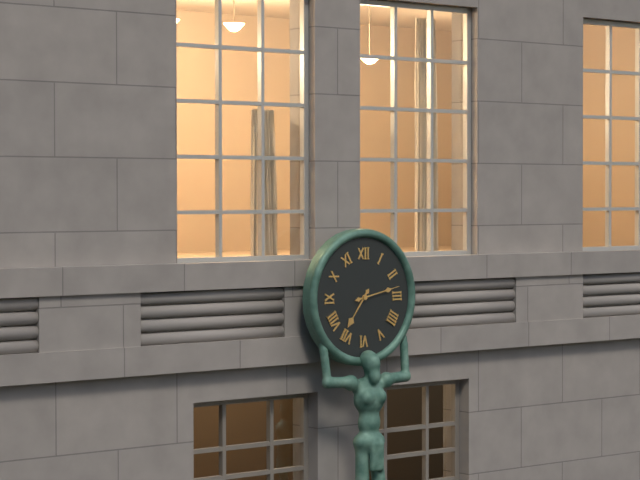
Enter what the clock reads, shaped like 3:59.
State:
7:13
